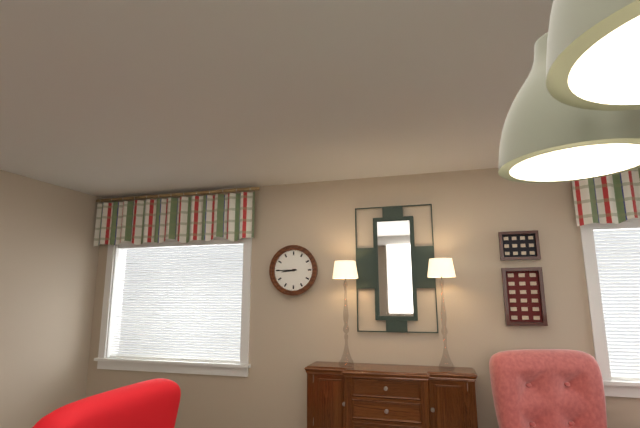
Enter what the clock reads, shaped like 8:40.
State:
8:45
